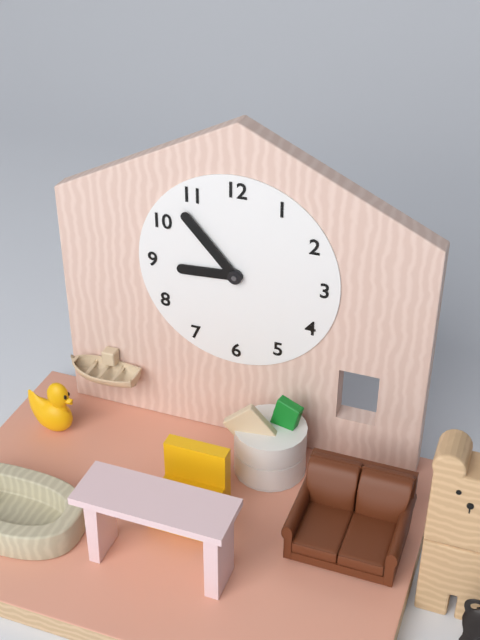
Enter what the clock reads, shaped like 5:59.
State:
8:53
